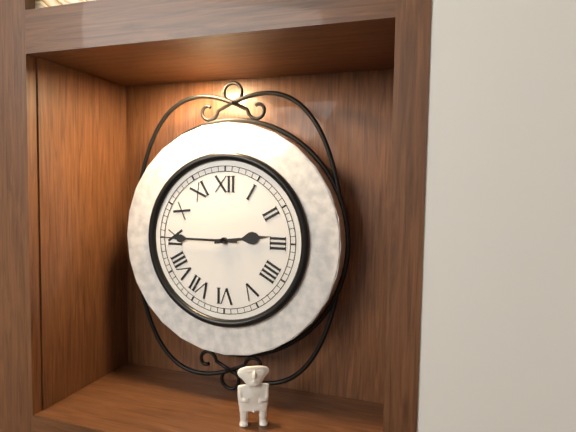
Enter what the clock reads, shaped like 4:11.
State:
2:45
